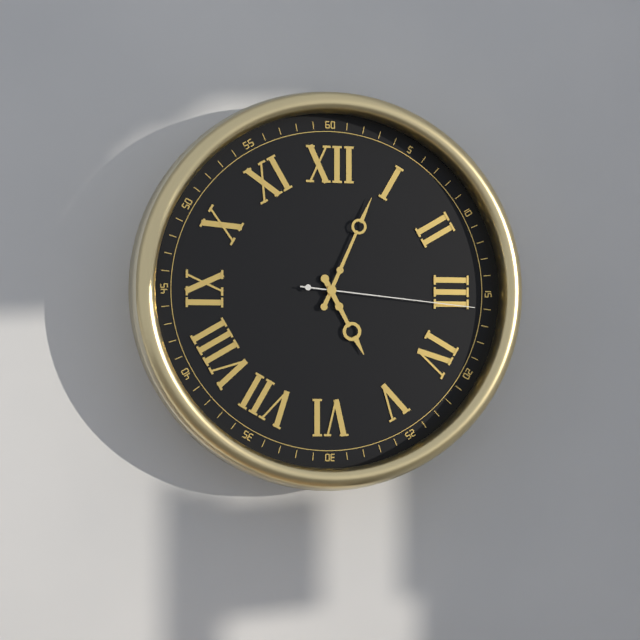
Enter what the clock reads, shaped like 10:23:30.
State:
5:04:16
